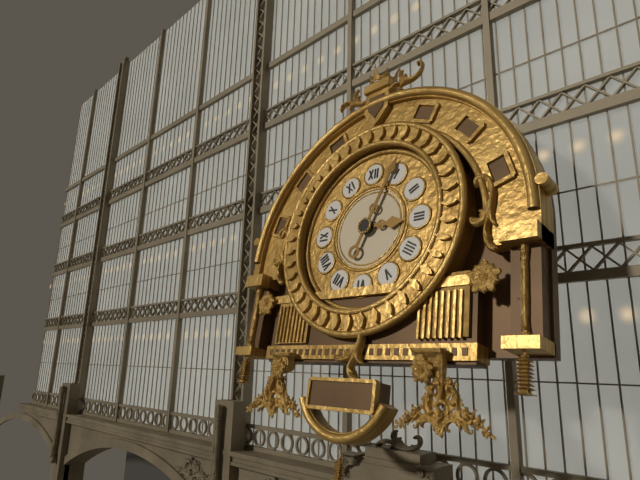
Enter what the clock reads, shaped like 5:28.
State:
3:04
